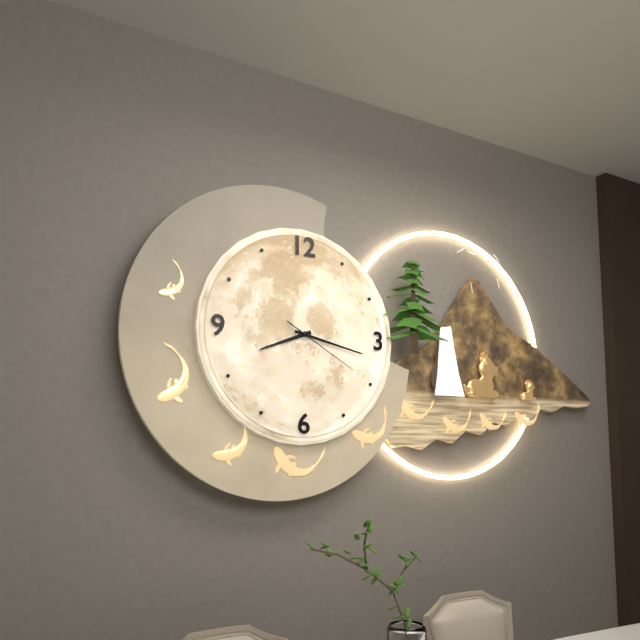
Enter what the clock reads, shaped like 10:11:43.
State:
8:17:20
